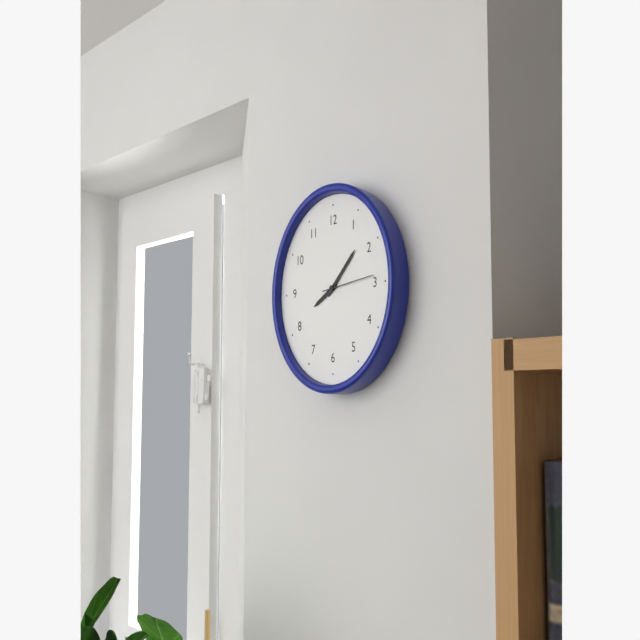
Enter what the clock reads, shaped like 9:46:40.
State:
8:08:14
